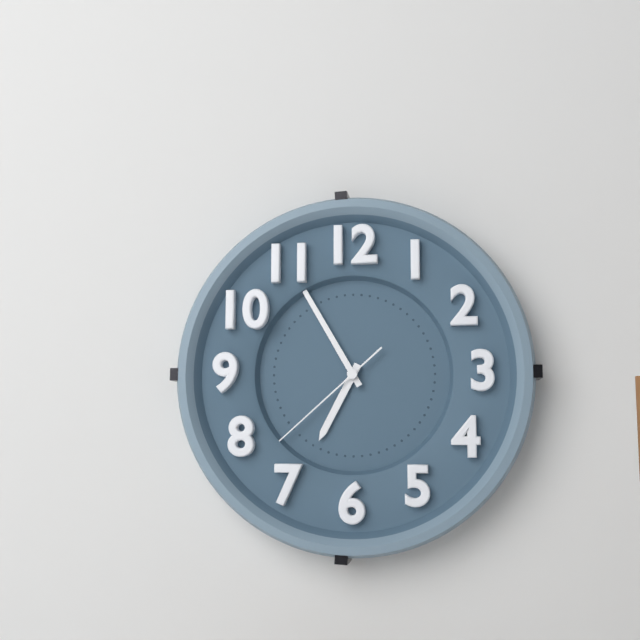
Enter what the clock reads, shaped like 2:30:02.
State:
6:55:38
